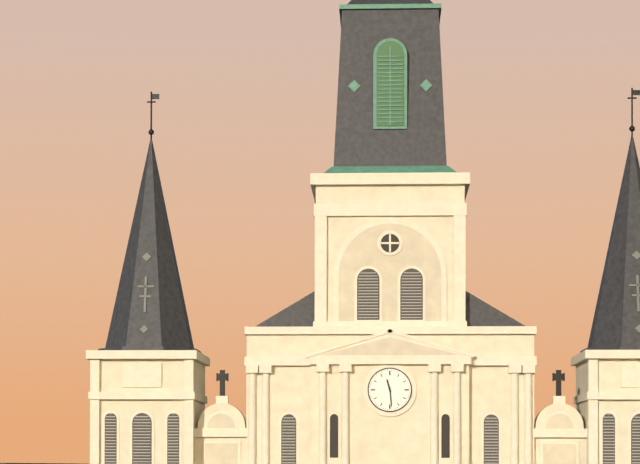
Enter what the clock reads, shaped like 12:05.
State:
11:29
